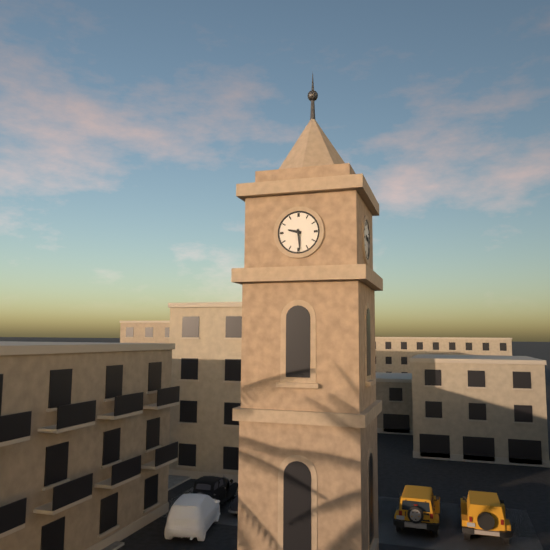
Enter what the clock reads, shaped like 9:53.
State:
9:29
